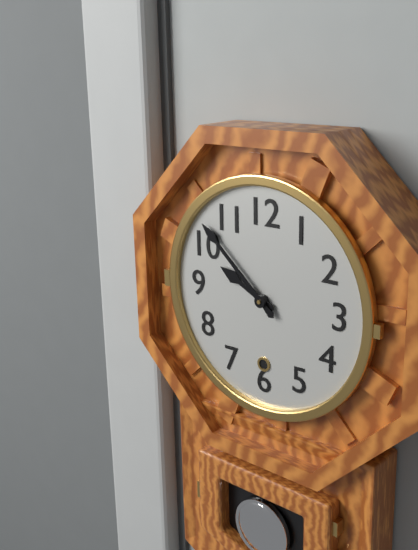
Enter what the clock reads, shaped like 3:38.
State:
9:52
